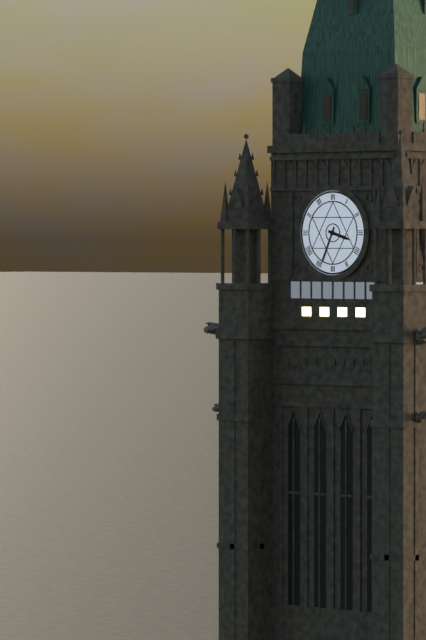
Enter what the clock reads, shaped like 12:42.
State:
3:34
